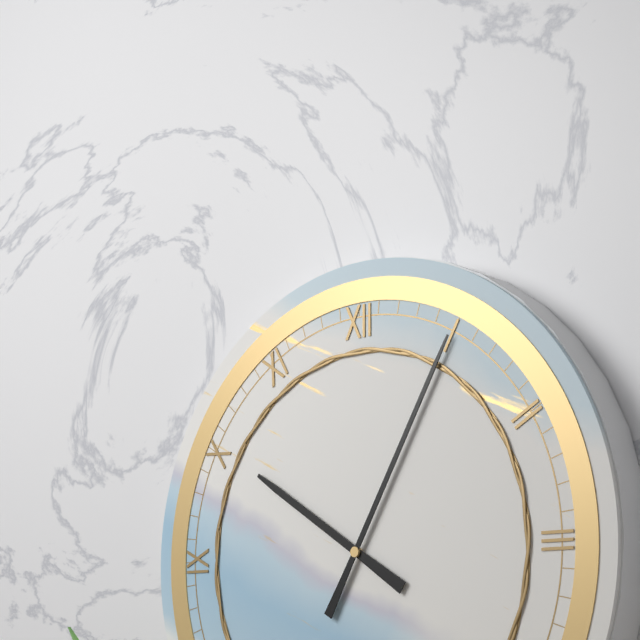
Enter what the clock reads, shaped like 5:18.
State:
10:05
